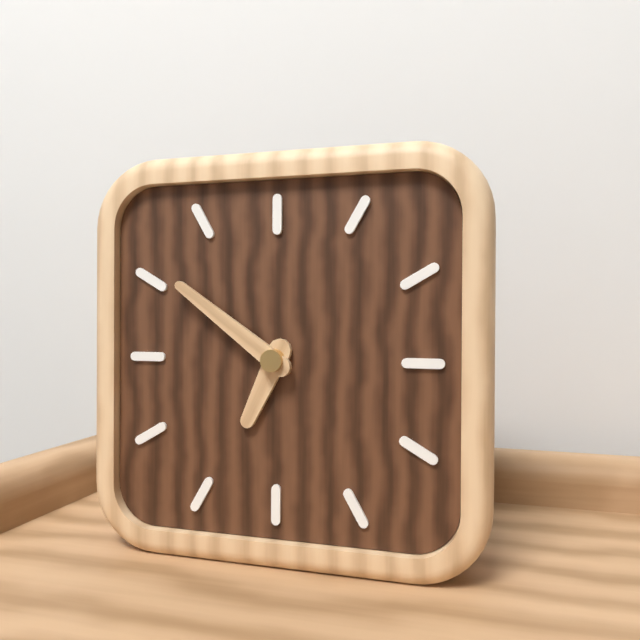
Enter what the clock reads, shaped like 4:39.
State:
6:51
